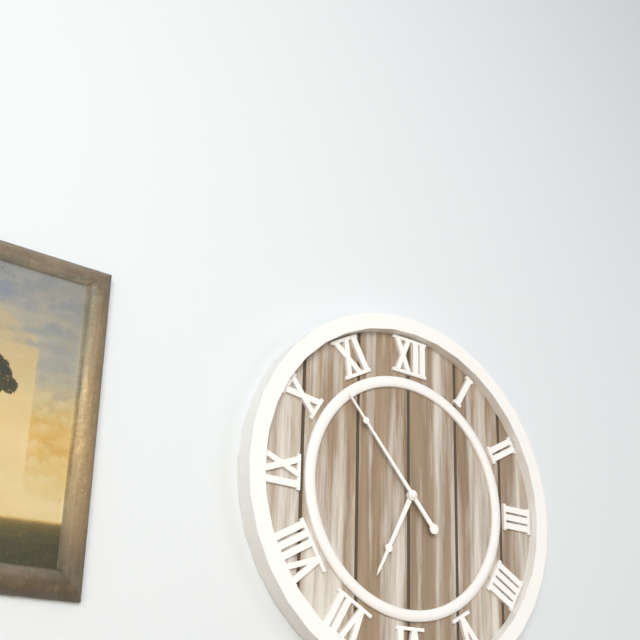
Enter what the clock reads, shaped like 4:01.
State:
6:53
